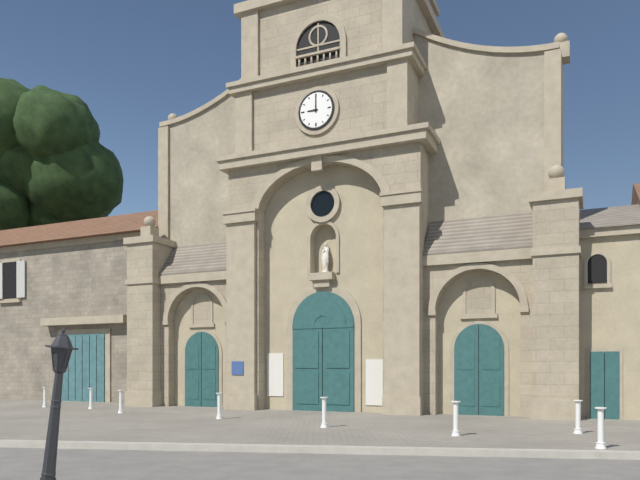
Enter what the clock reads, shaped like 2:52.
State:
9:00
